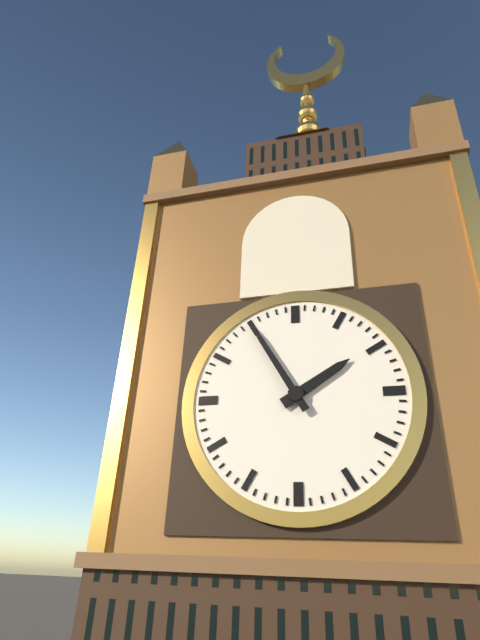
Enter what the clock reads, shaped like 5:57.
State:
1:55
